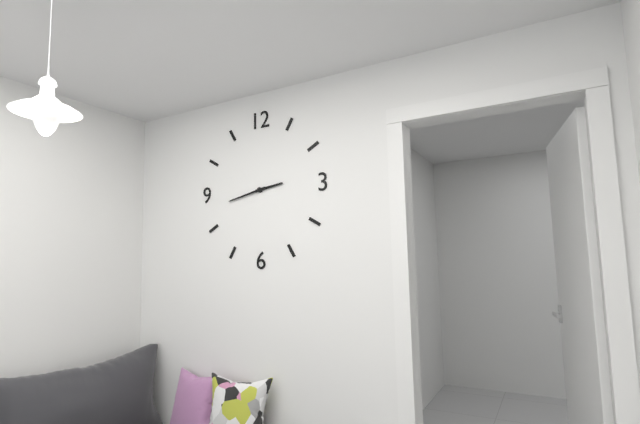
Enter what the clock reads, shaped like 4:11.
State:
2:43
